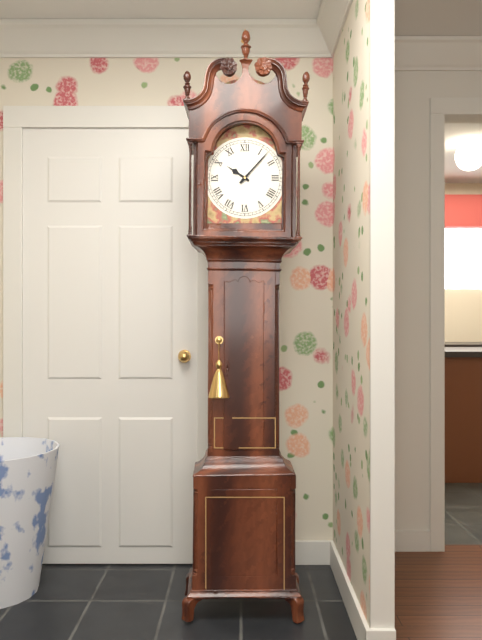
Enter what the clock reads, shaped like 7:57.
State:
10:07
